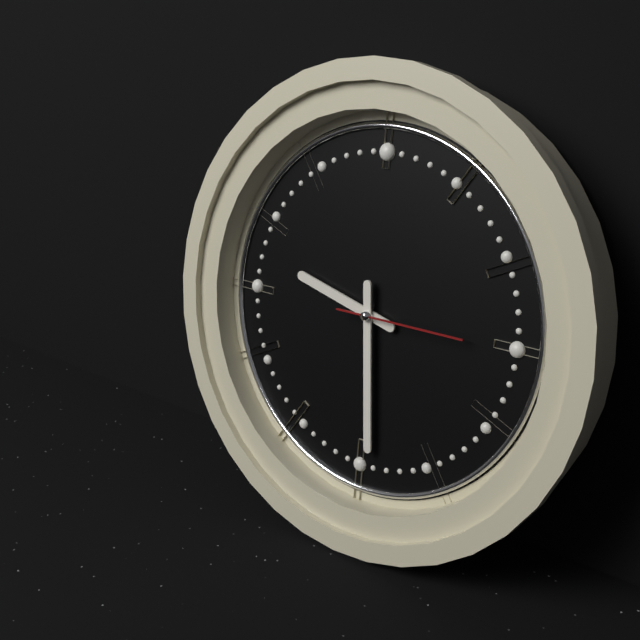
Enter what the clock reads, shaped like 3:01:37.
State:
9:29:15
